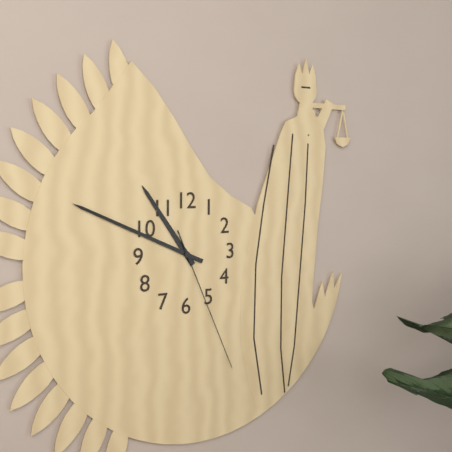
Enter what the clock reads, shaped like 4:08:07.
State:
10:49:26
